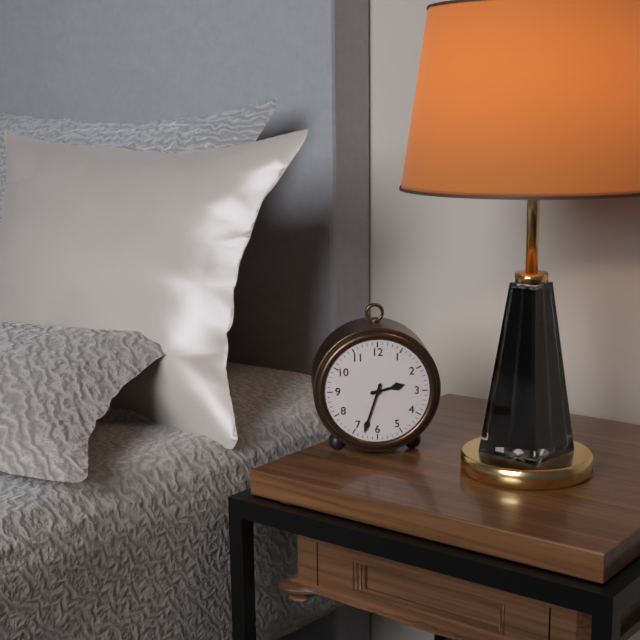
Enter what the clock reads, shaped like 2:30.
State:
2:33
